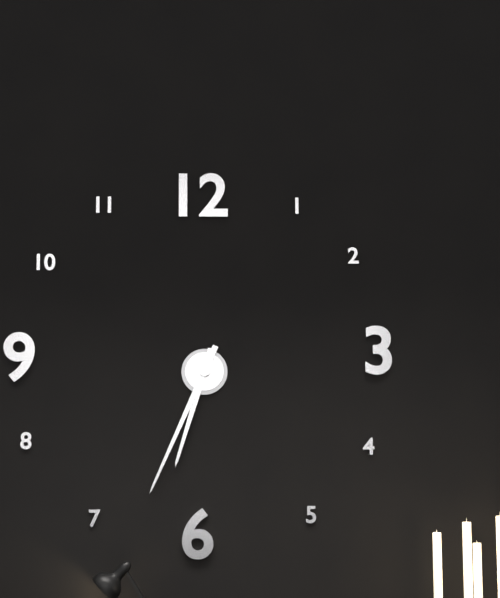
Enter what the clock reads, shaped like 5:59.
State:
6:34
